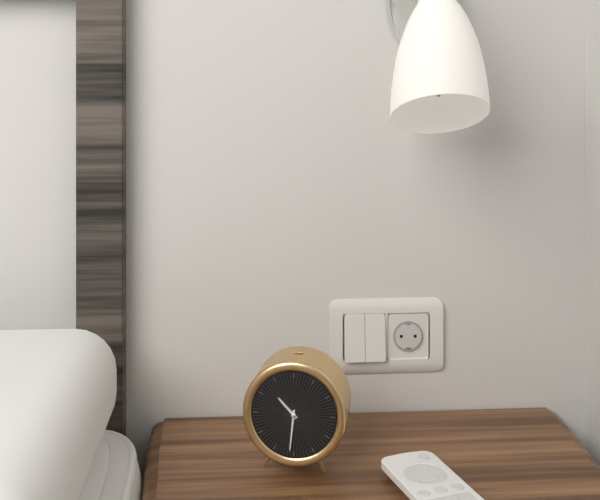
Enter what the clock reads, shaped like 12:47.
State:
10:31
